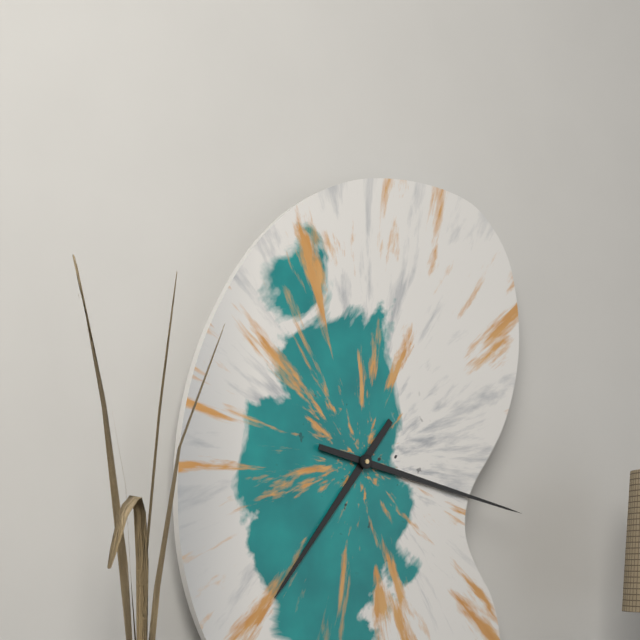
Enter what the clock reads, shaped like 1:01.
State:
7:17
